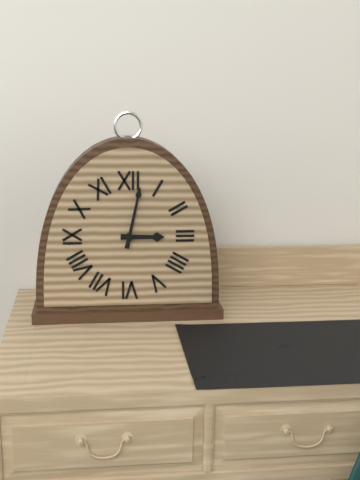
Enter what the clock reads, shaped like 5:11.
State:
3:02
